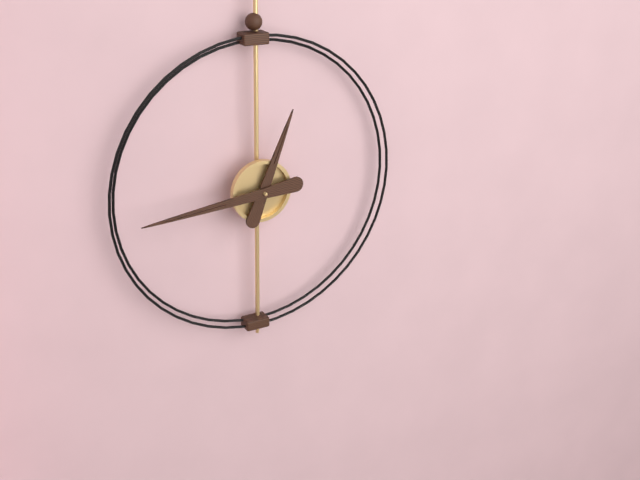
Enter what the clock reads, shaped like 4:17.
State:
12:44
